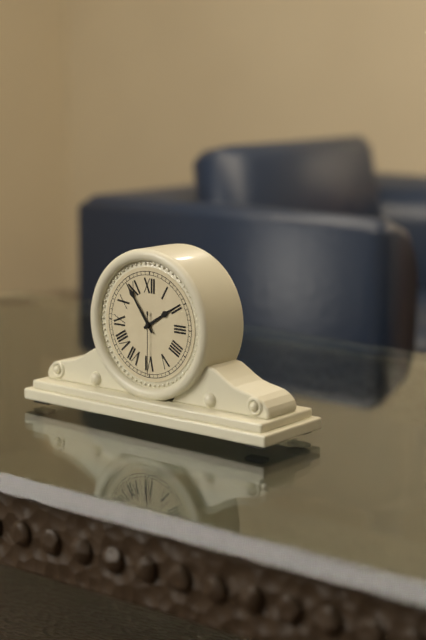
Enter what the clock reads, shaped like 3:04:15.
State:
1:54:30
